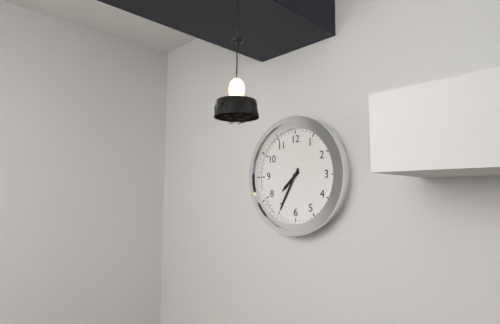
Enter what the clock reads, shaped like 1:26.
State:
7:35
